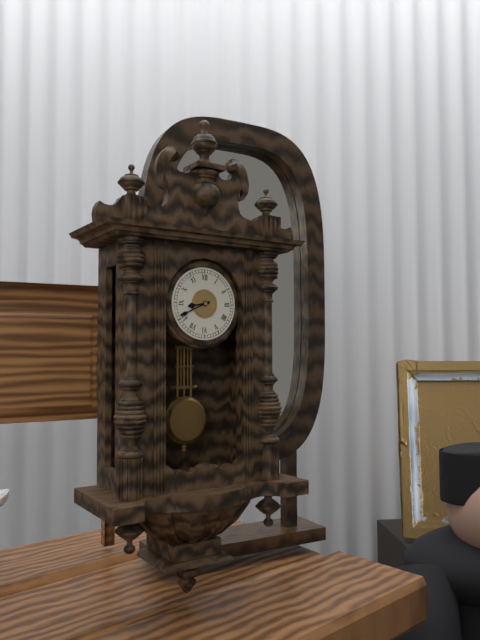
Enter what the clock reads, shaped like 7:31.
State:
8:41
